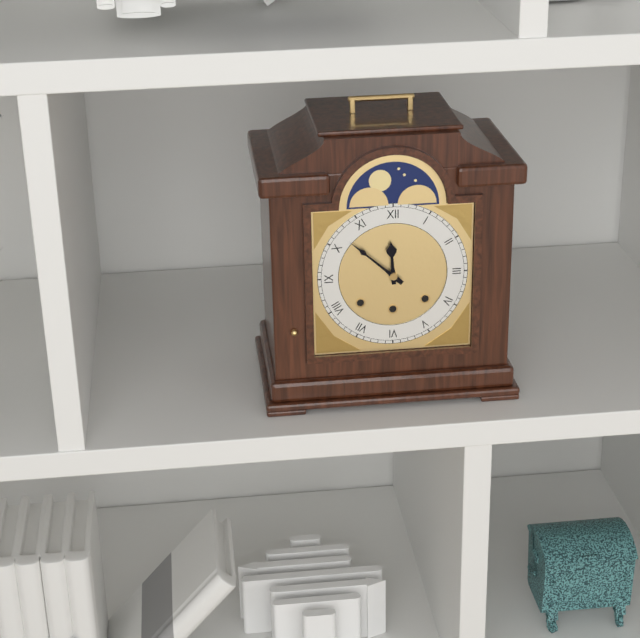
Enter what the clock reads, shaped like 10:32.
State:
11:52
